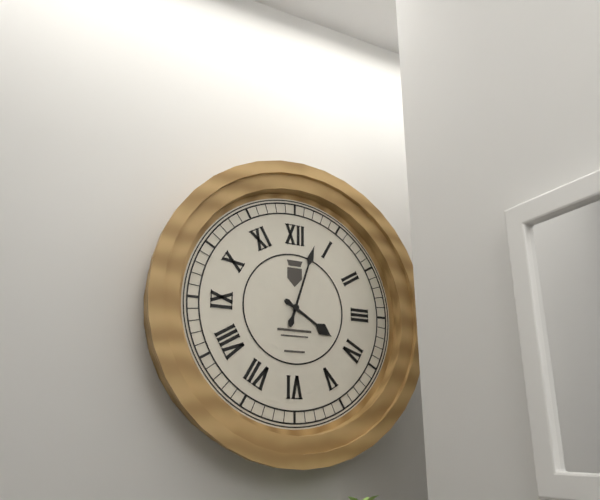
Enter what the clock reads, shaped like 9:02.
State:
4:03
